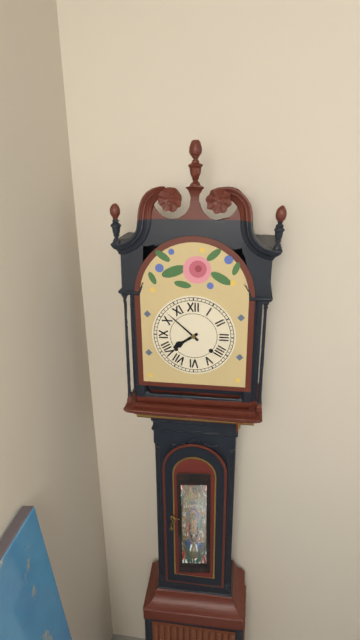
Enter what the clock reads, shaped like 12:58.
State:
7:52
